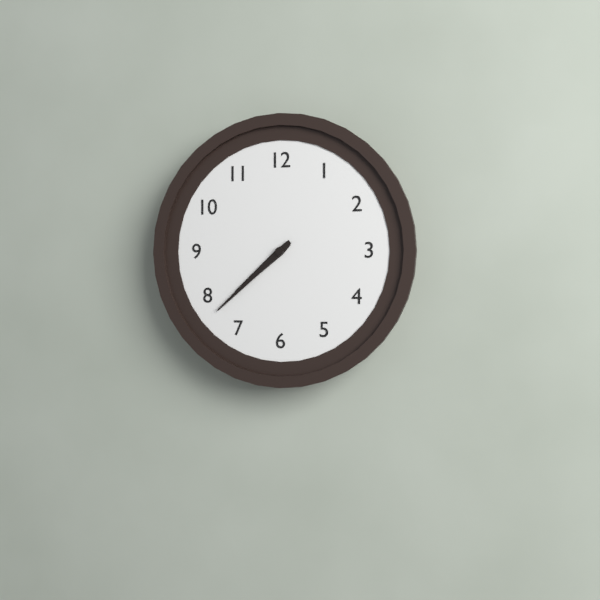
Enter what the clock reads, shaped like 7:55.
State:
7:38
